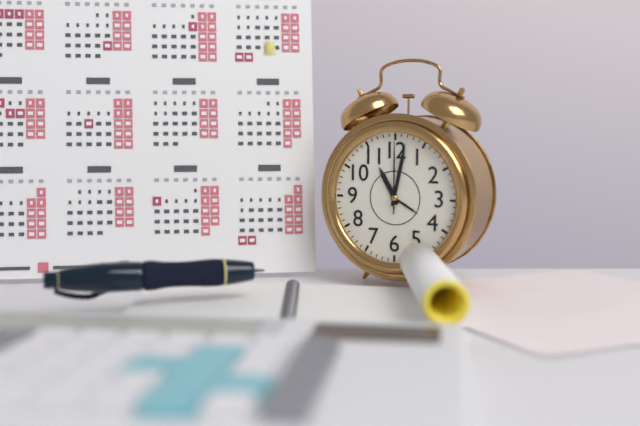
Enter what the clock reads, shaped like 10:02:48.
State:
11:02:00
